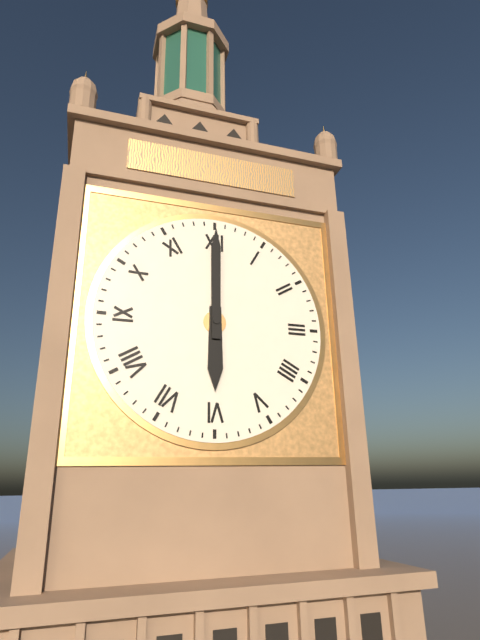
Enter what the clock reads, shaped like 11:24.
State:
6:00
